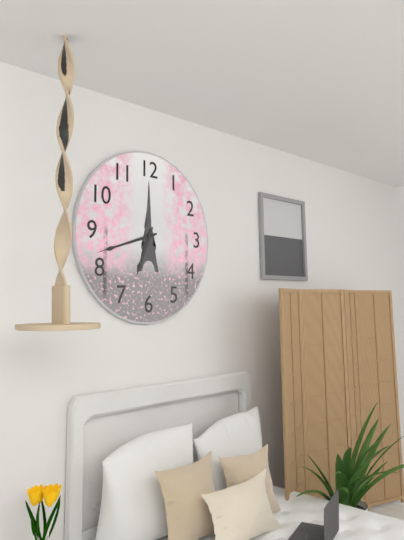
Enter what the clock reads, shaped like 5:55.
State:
6:42
